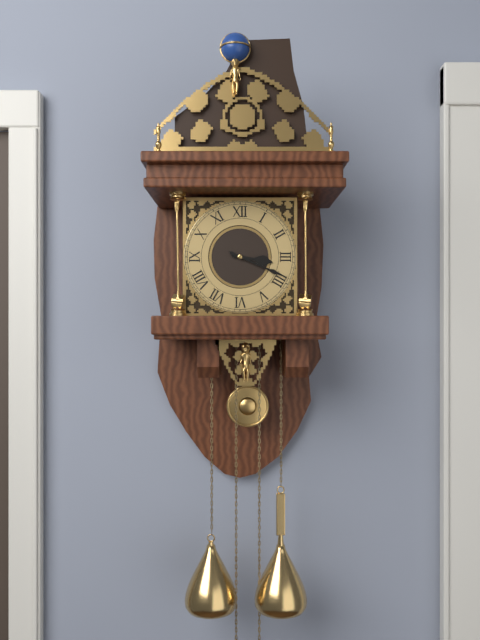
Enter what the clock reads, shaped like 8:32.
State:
3:19
